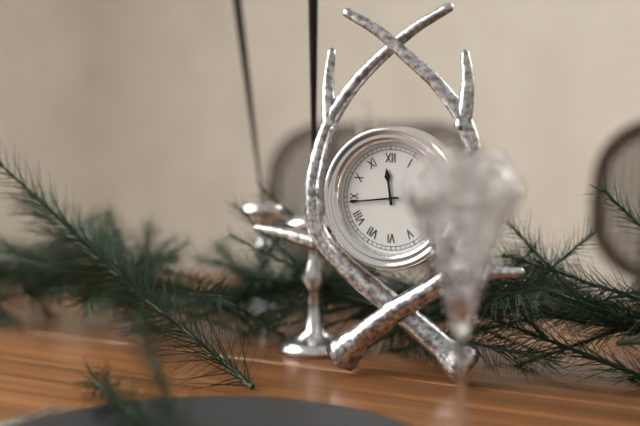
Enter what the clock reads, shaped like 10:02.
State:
11:44
